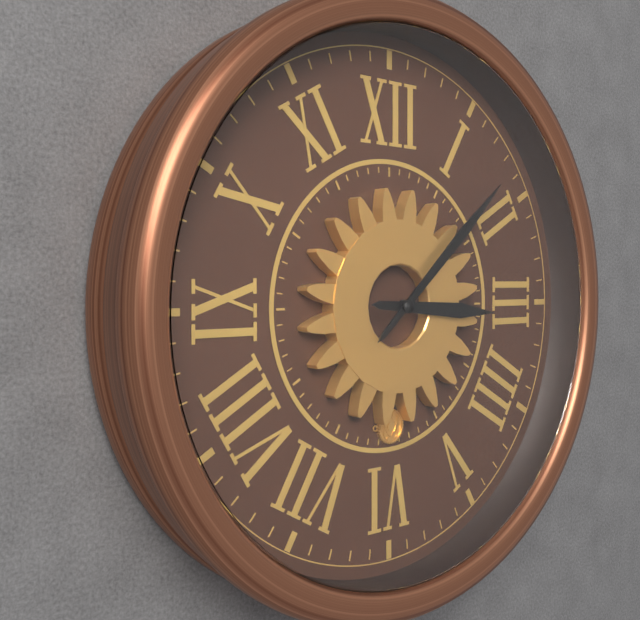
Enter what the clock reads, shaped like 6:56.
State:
3:08
